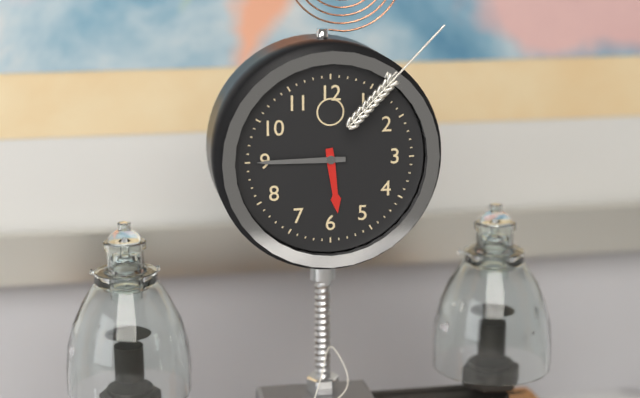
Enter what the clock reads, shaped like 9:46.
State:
5:45
